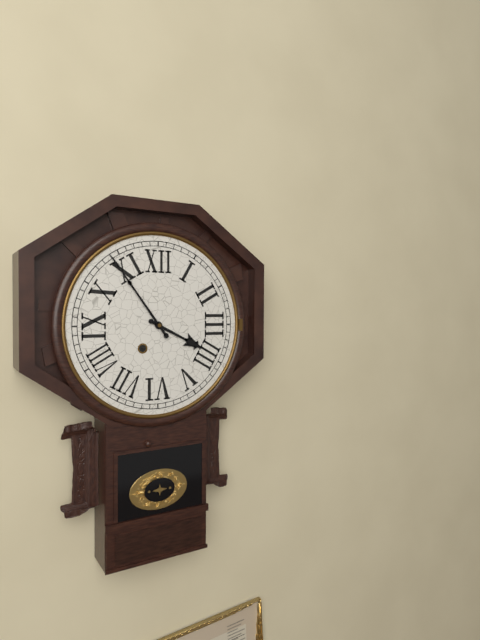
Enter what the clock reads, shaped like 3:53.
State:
3:54
